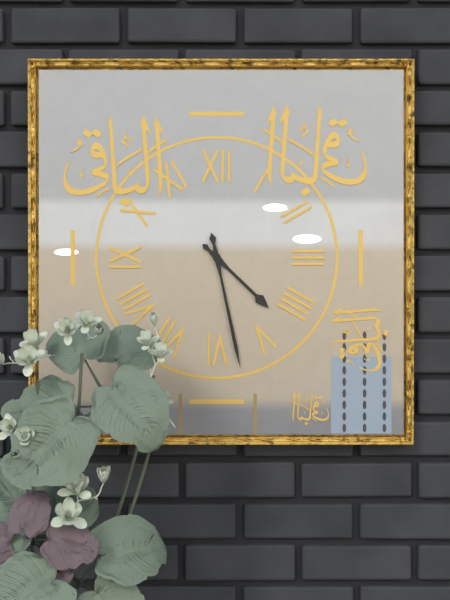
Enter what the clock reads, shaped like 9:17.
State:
4:28
